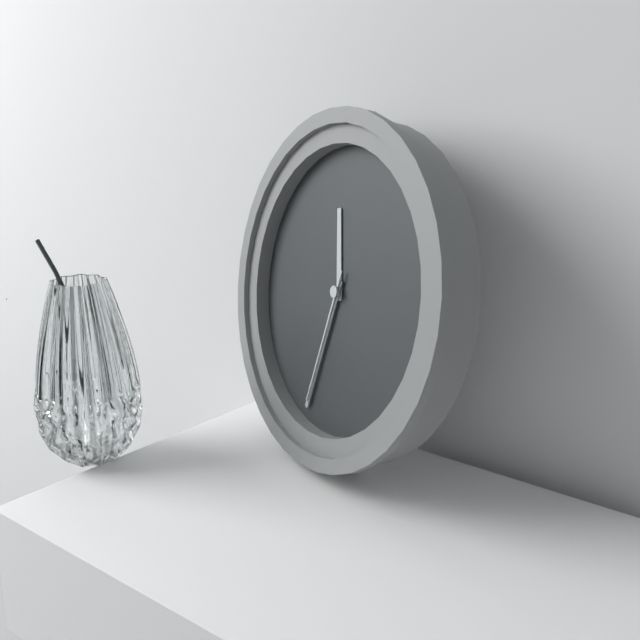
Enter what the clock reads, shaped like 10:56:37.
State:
11:32:32
